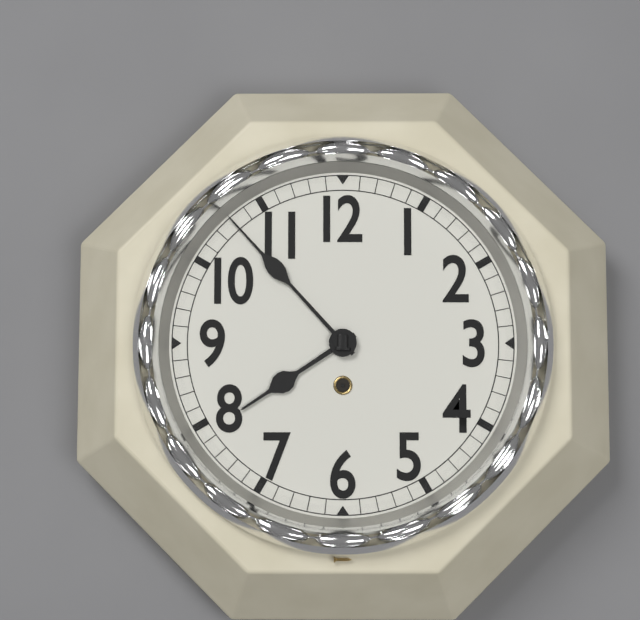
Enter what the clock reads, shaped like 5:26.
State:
7:53
